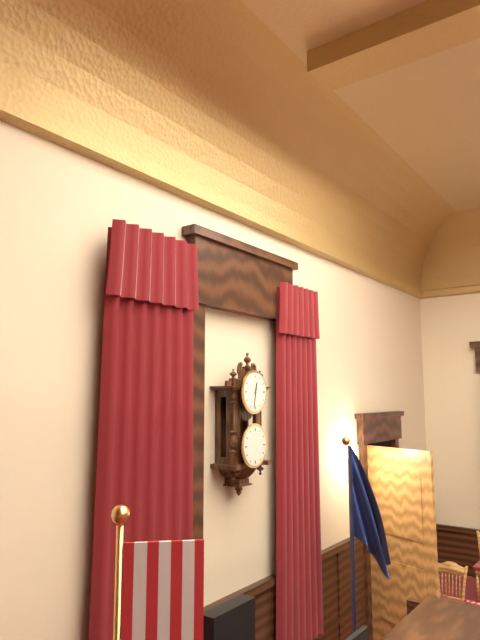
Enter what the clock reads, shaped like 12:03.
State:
12:32
